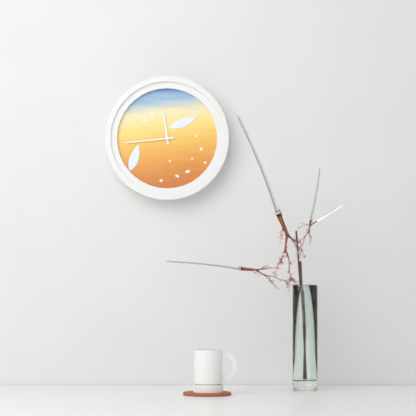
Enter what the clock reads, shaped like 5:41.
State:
11:44
